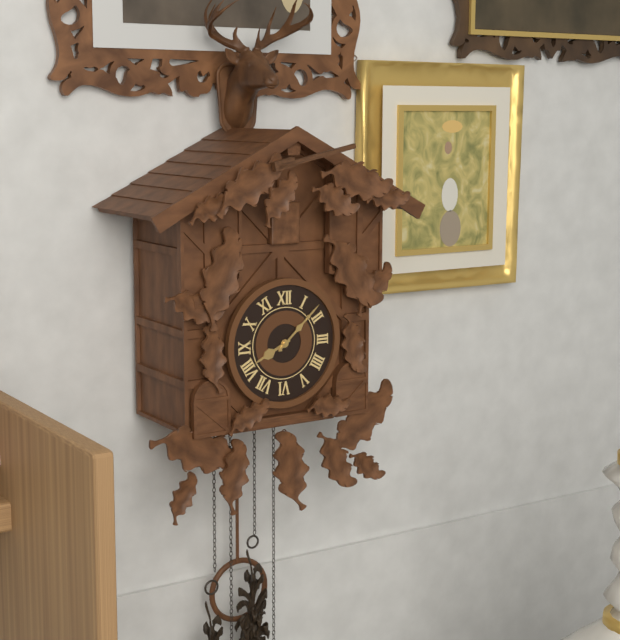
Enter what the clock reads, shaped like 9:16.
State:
8:08
